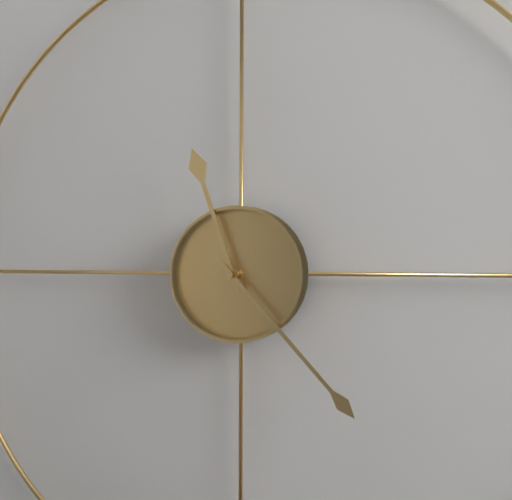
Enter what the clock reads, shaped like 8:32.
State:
11:23
